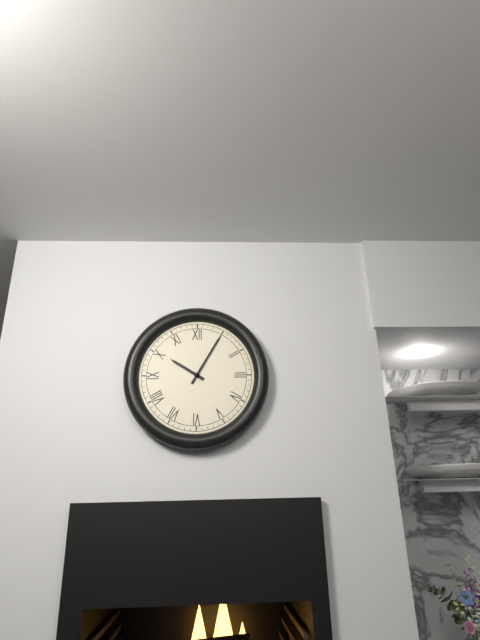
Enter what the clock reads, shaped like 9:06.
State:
10:05
